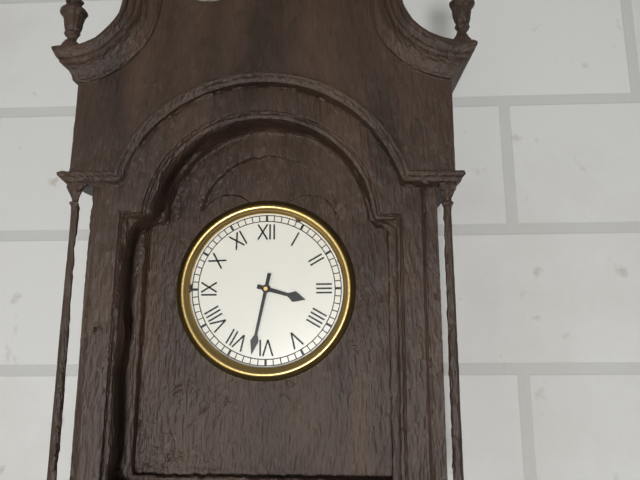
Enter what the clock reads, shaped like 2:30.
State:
3:32
